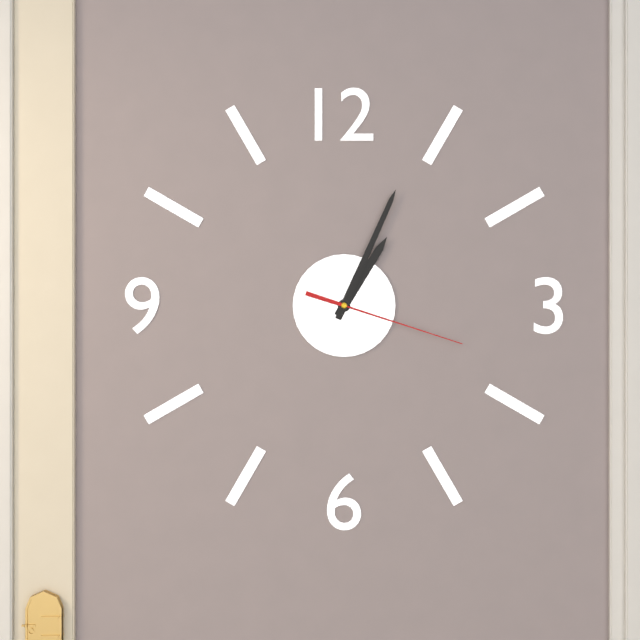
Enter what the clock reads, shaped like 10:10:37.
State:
1:04:18
